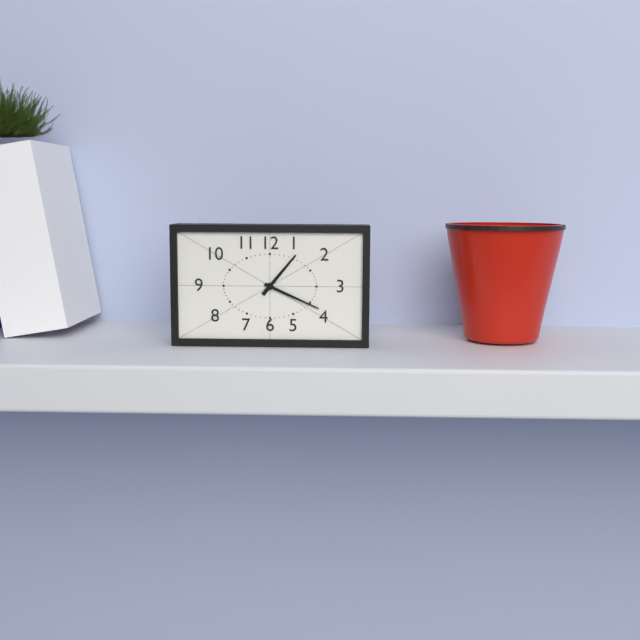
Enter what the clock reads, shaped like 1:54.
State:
1:19
